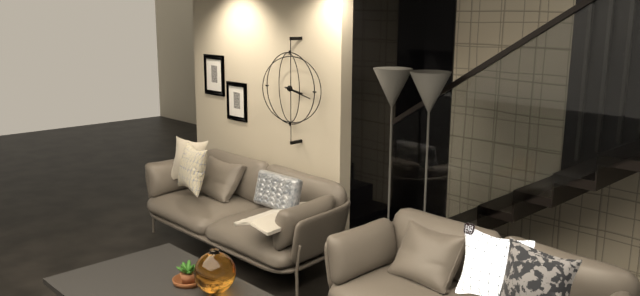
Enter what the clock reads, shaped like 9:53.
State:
3:17
